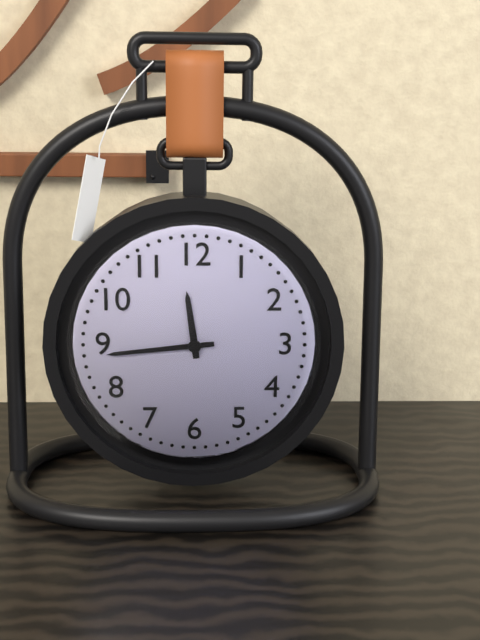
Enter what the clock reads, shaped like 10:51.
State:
11:44
